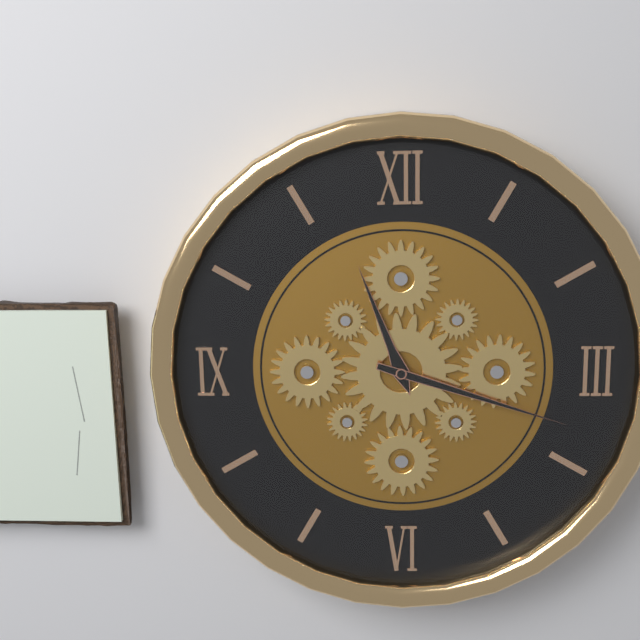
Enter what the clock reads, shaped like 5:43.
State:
11:18
